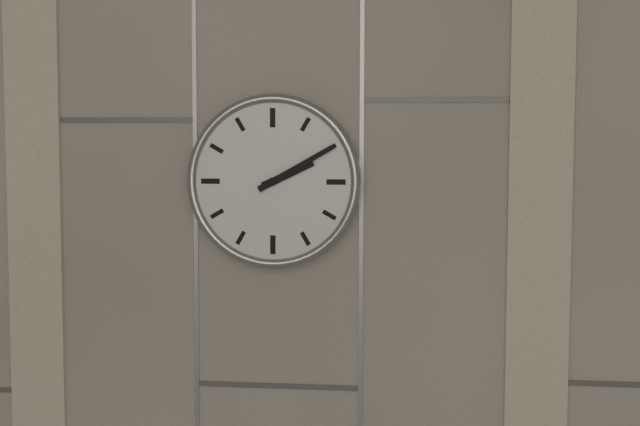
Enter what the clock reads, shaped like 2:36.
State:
2:10
